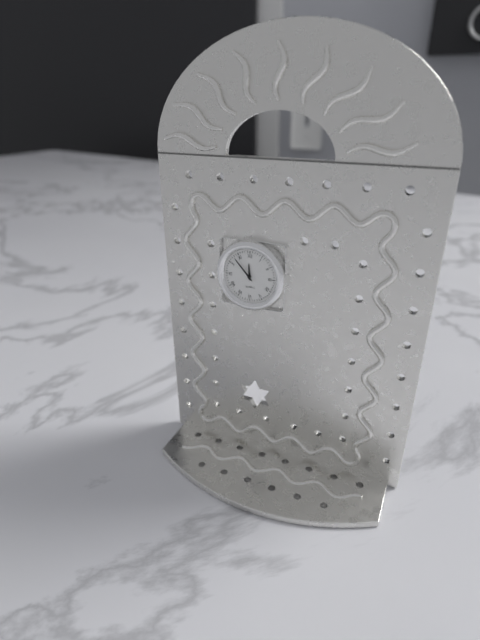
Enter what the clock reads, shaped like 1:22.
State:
11:53
